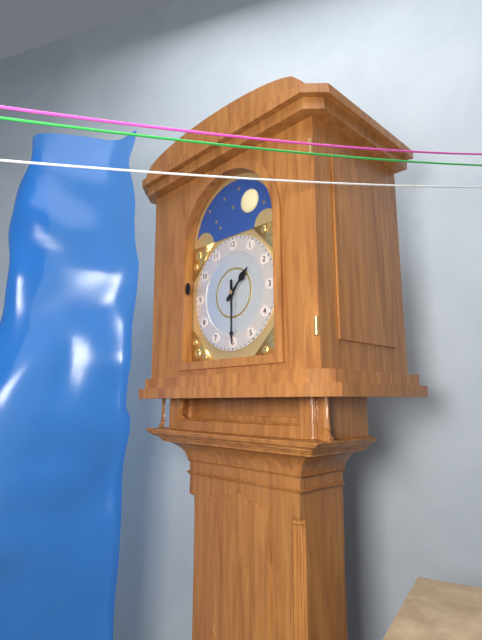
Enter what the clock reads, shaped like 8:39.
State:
1:30
